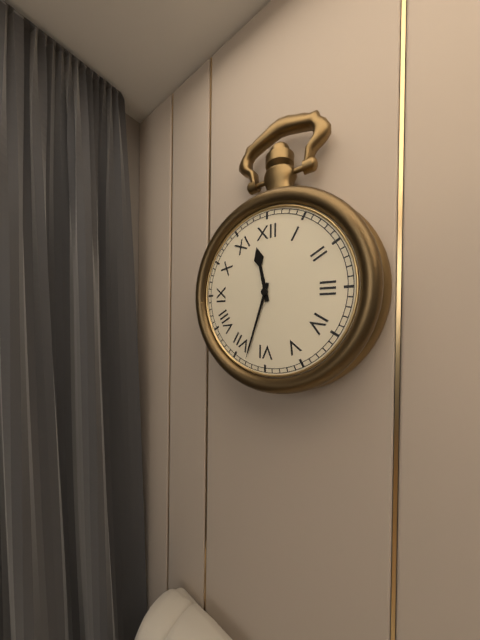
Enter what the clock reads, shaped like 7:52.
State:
11:33
